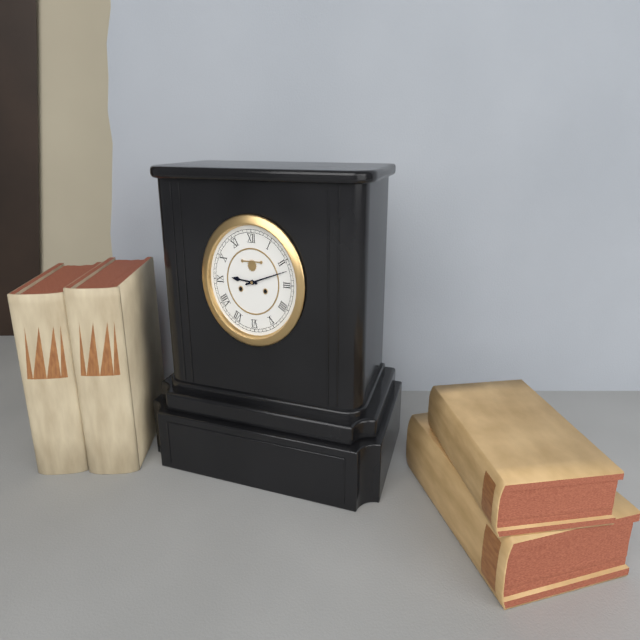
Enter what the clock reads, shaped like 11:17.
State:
9:12
